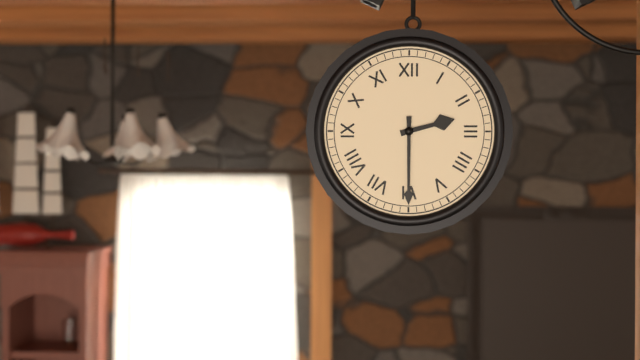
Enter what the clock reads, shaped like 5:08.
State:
2:30
